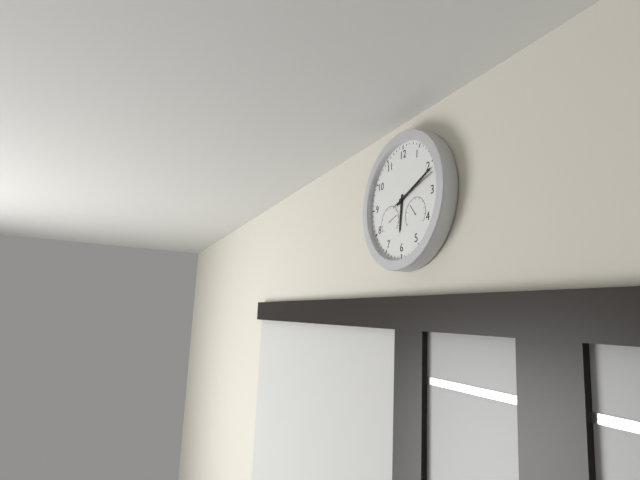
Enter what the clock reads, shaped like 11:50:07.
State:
6:11:12
